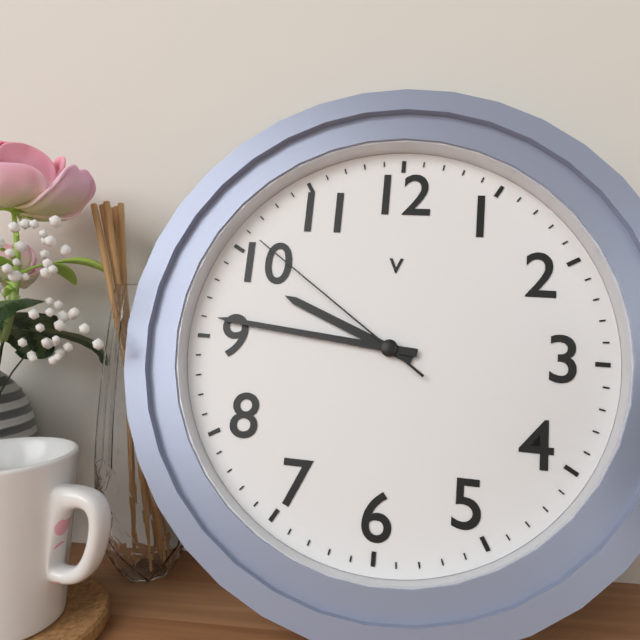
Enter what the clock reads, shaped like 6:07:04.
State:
9:46:51
